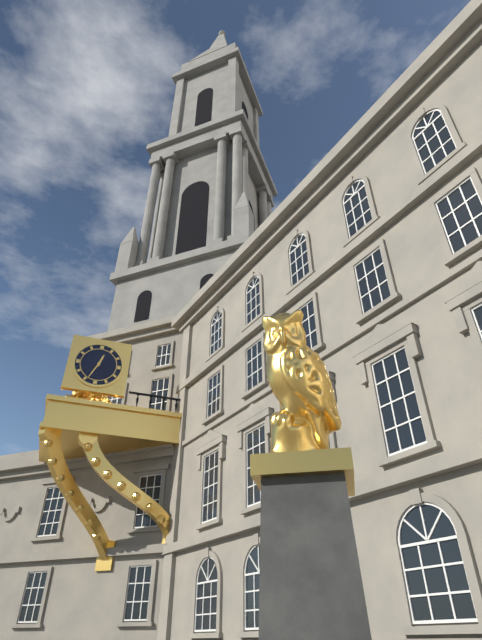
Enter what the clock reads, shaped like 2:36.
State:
12:34
